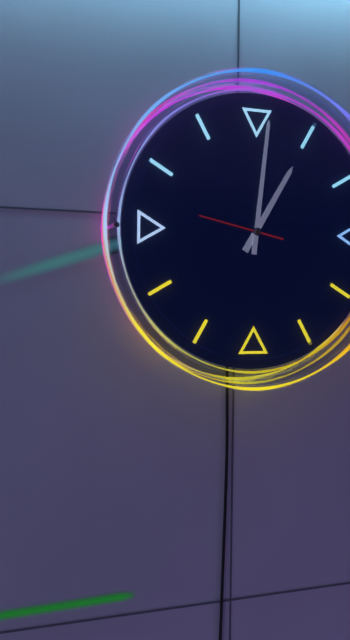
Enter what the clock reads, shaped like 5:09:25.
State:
1:01:47
